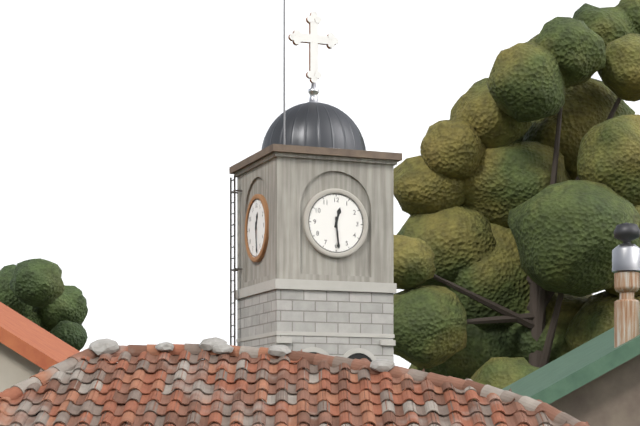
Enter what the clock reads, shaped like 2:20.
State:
12:29
